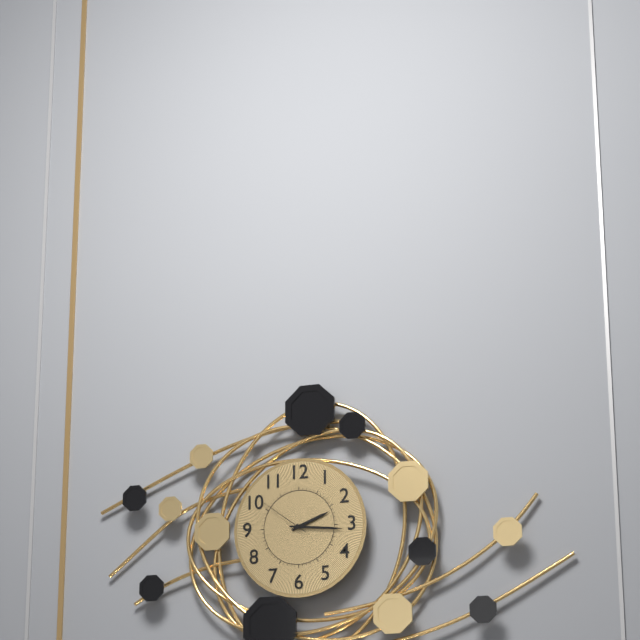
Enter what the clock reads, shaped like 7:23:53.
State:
2:16:51
